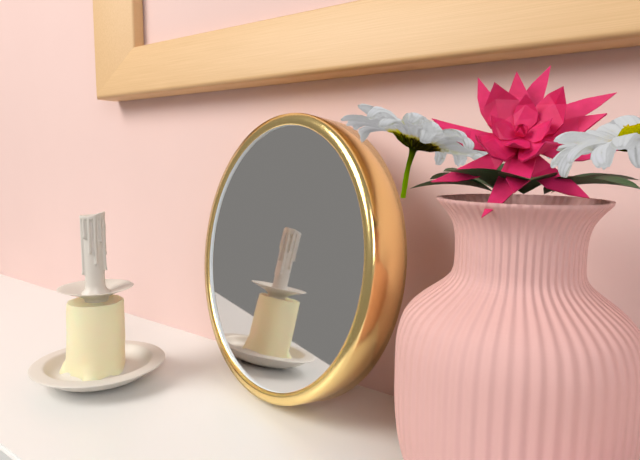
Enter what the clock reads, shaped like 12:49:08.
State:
1:44:19
